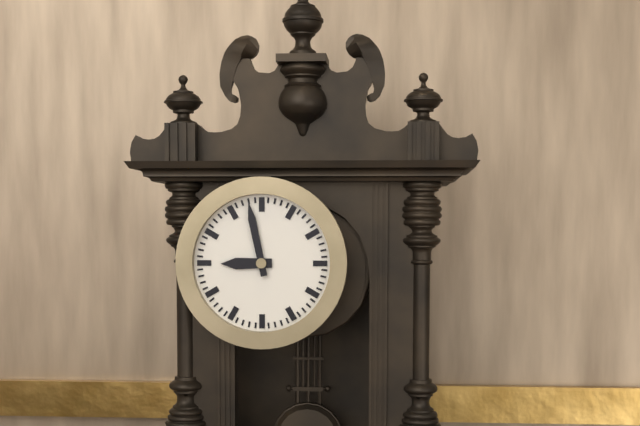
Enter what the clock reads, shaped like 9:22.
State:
8:58
